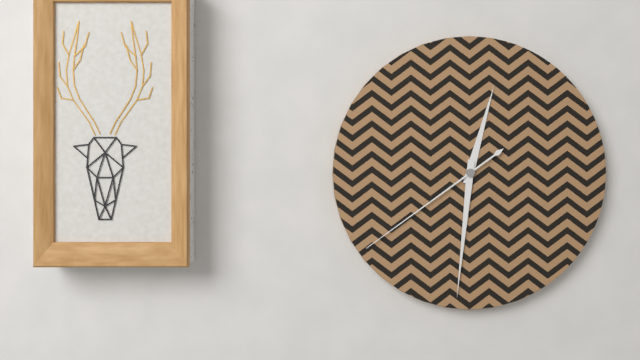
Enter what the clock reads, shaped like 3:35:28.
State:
12:31:39
